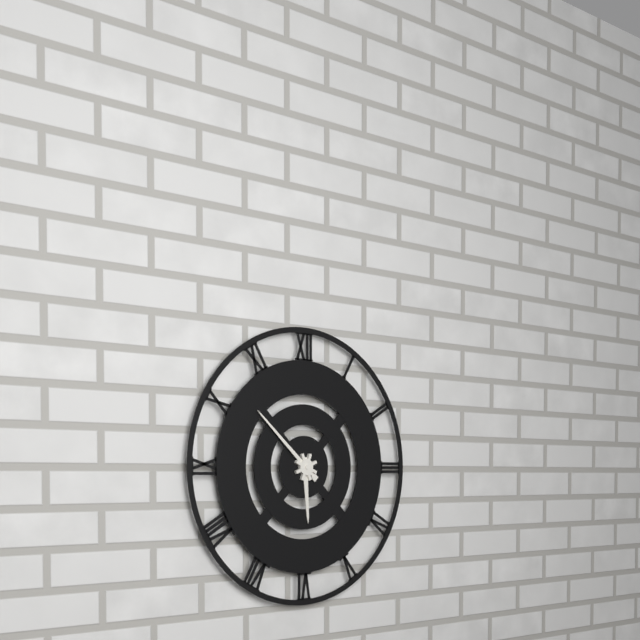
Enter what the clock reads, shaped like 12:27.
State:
5:52
